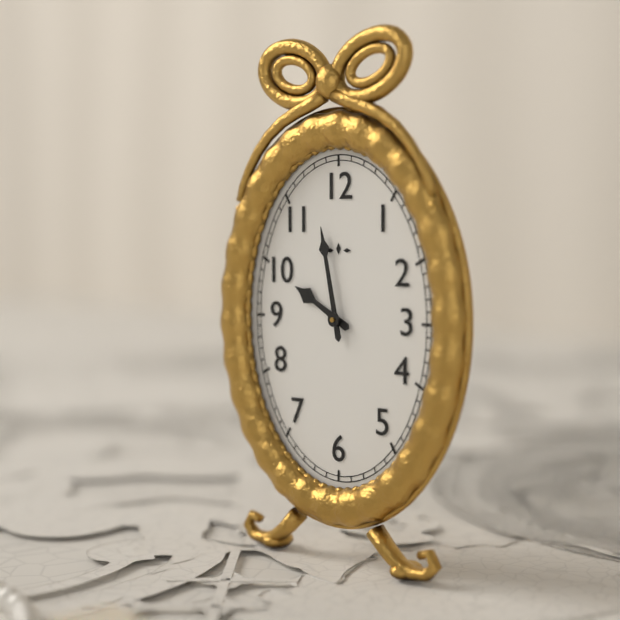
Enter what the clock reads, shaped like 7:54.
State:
9:58
